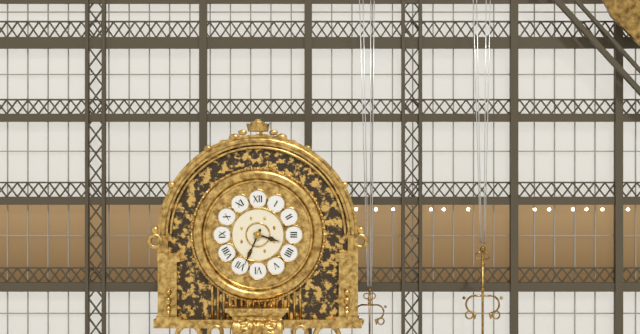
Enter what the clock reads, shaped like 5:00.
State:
3:34
